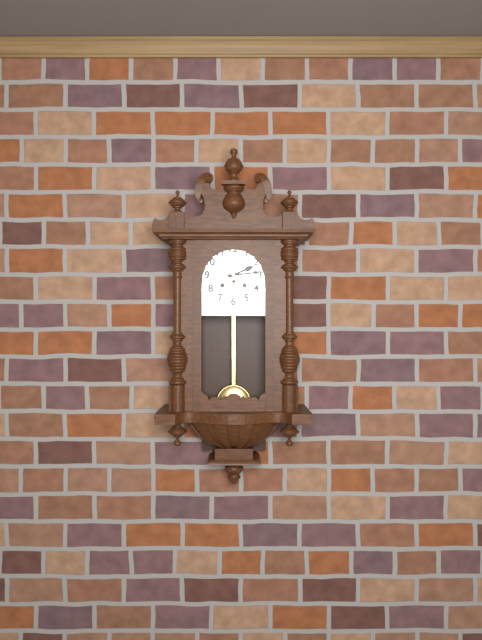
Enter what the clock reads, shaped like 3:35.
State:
2:14
